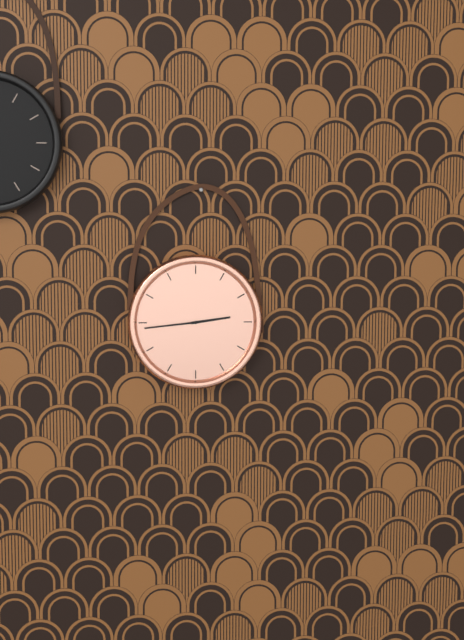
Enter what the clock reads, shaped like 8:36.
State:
2:44
